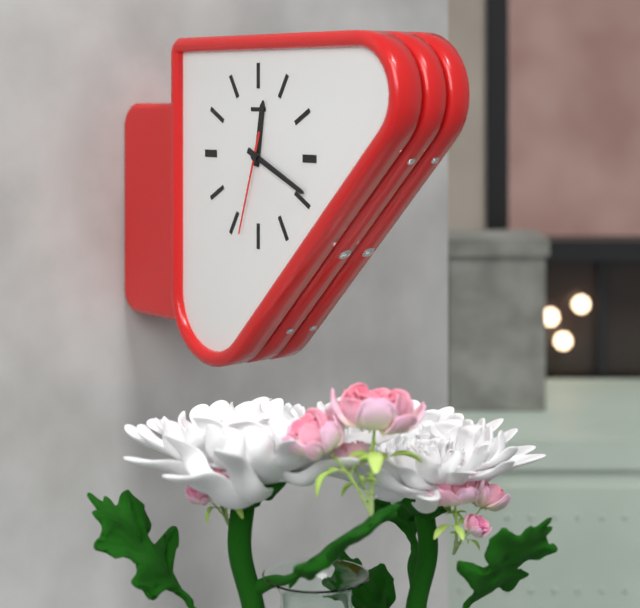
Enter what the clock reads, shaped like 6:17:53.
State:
12:19:33
